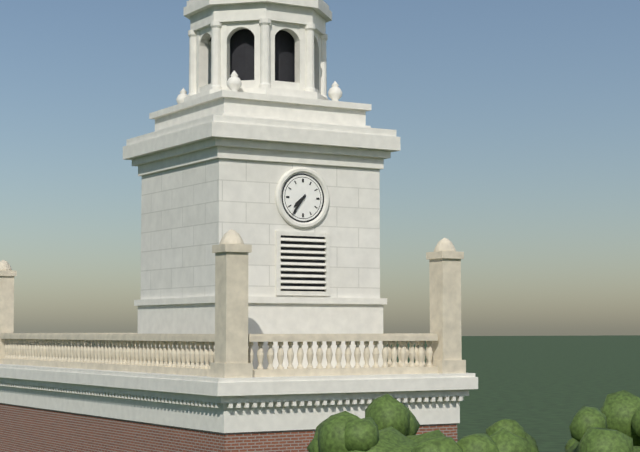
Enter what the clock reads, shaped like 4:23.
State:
7:36
